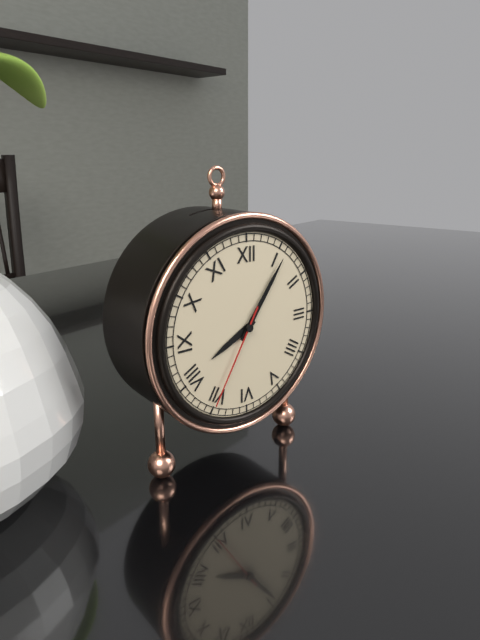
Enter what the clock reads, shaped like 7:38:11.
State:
8:06:35
